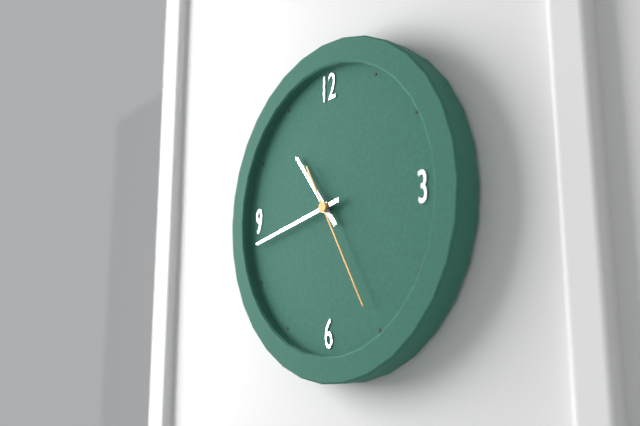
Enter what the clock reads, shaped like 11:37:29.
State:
10:43:25
